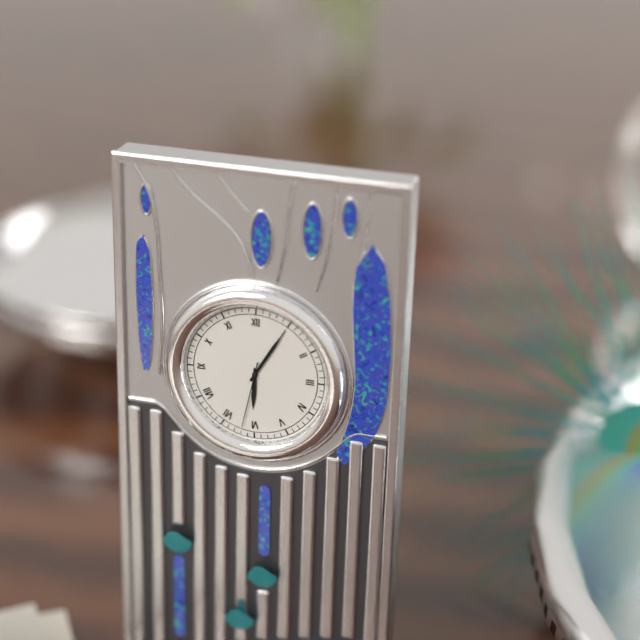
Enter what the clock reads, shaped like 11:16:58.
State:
6:05:32
